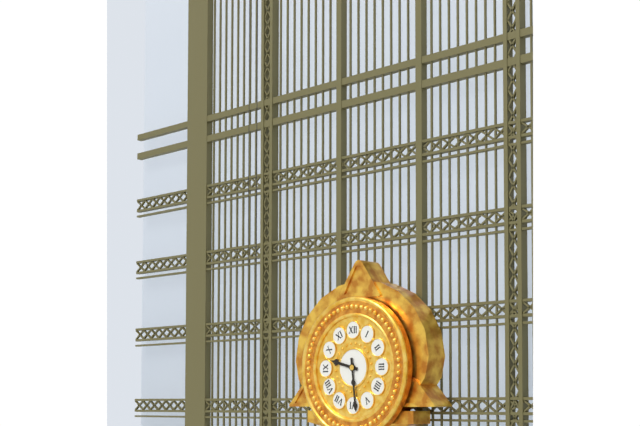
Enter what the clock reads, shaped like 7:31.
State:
9:29
